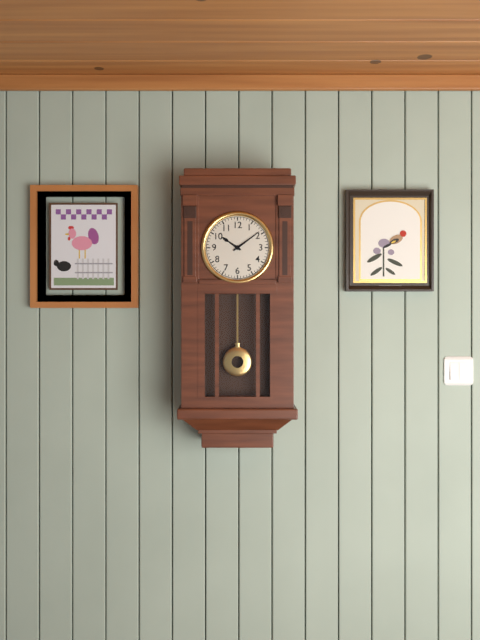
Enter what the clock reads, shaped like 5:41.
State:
10:09
